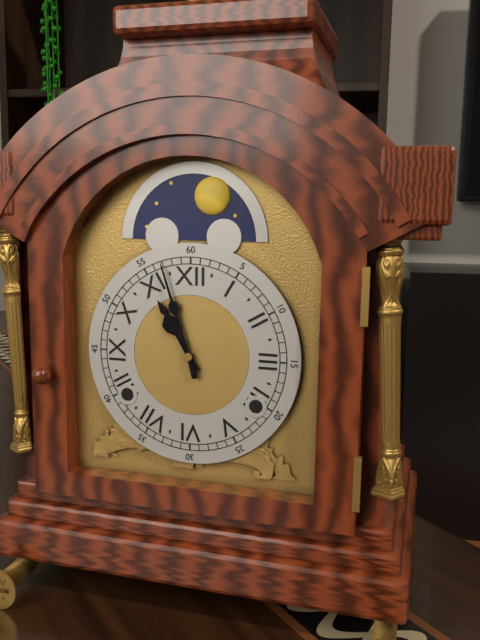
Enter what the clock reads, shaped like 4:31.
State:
10:57
